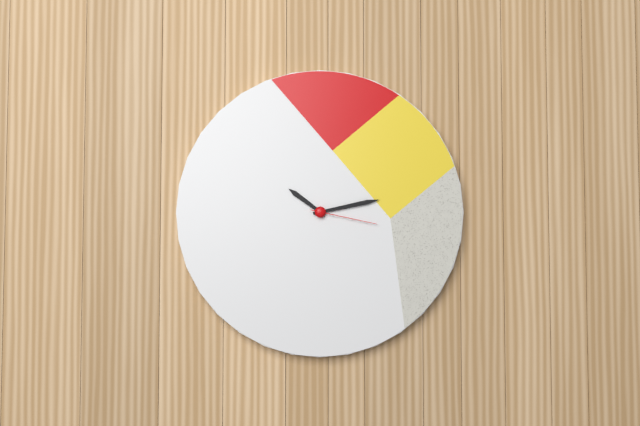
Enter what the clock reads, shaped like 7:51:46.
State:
10:13:17
